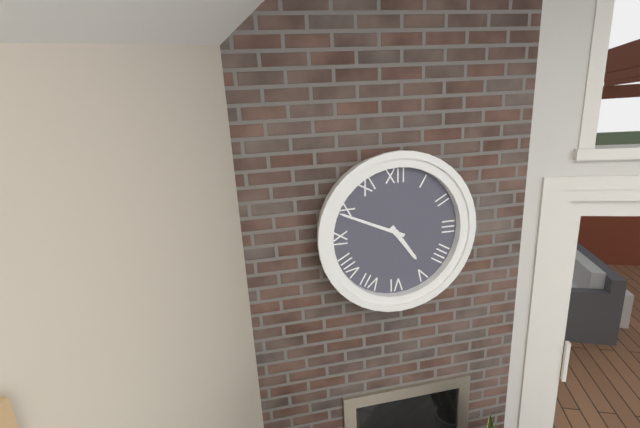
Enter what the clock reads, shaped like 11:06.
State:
4:49
